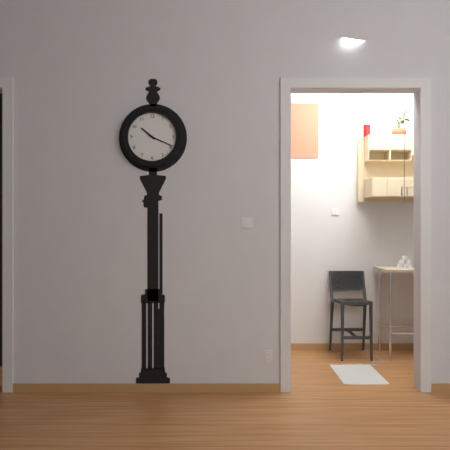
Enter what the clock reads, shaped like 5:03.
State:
10:19
